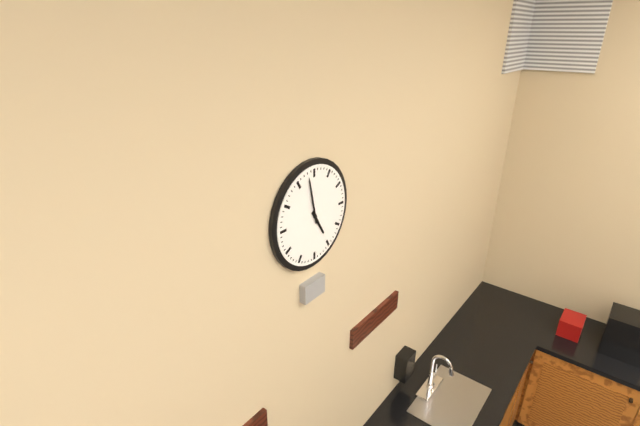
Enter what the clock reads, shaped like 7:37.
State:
4:58
